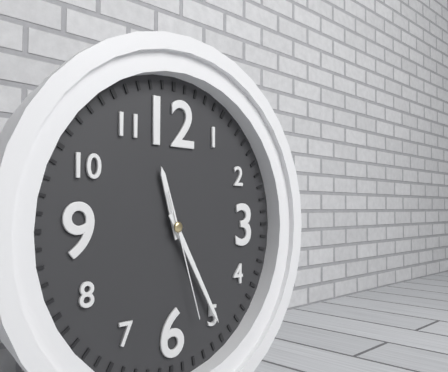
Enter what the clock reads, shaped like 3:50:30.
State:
11:25:27
